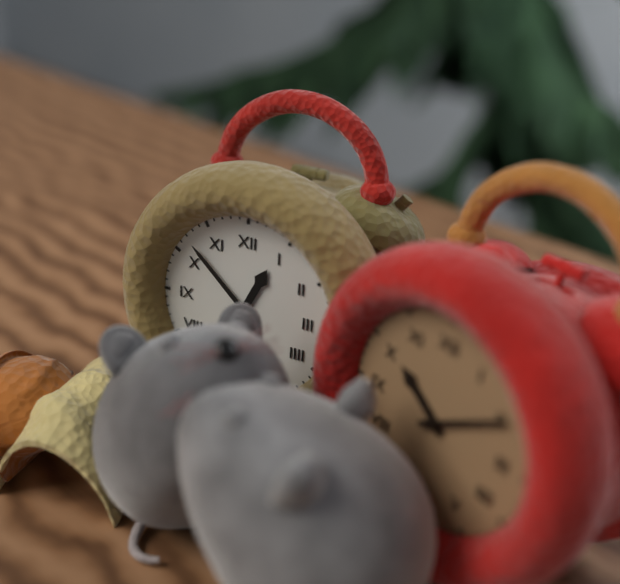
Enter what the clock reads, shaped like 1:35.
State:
12:52
